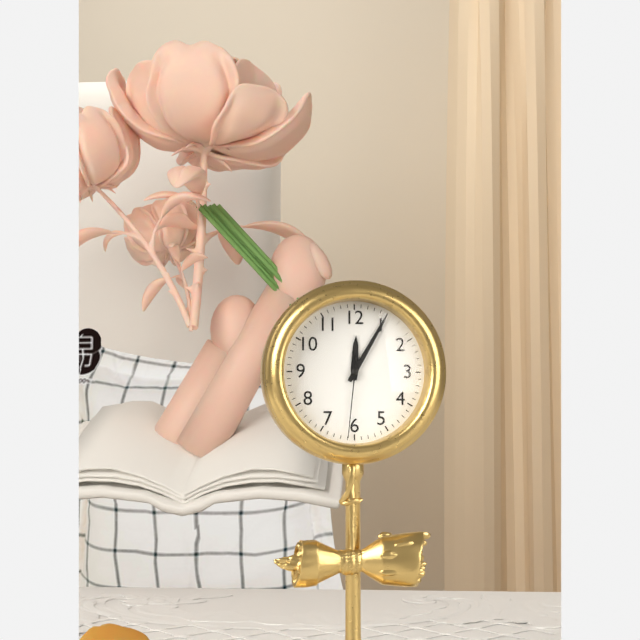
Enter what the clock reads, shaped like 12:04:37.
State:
12:05:31
